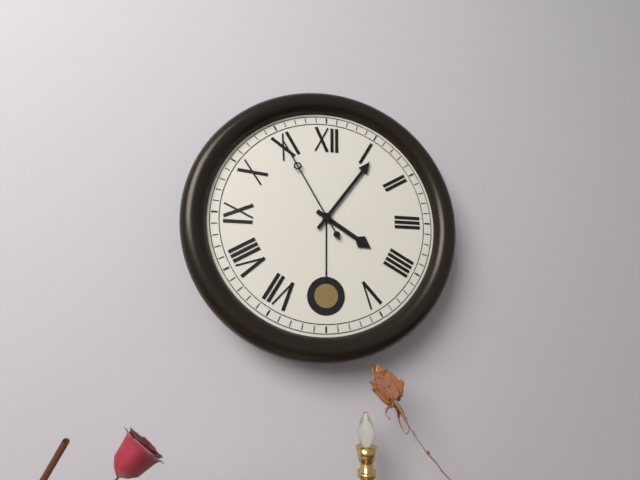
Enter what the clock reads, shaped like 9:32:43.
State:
4:06:55
